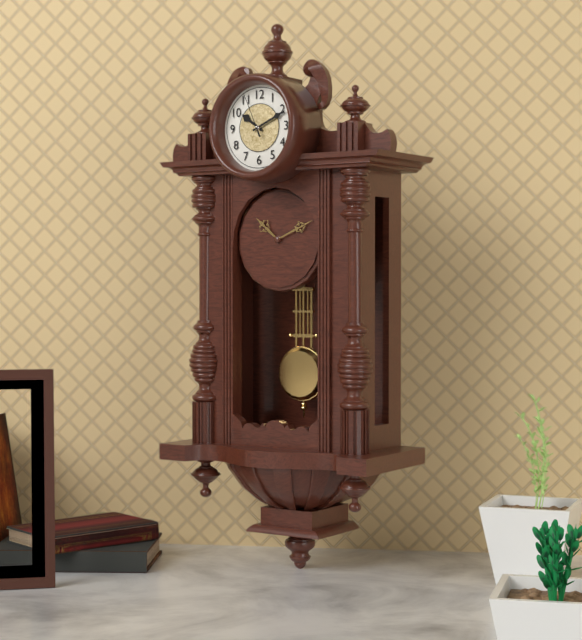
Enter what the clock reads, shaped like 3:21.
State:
10:11
